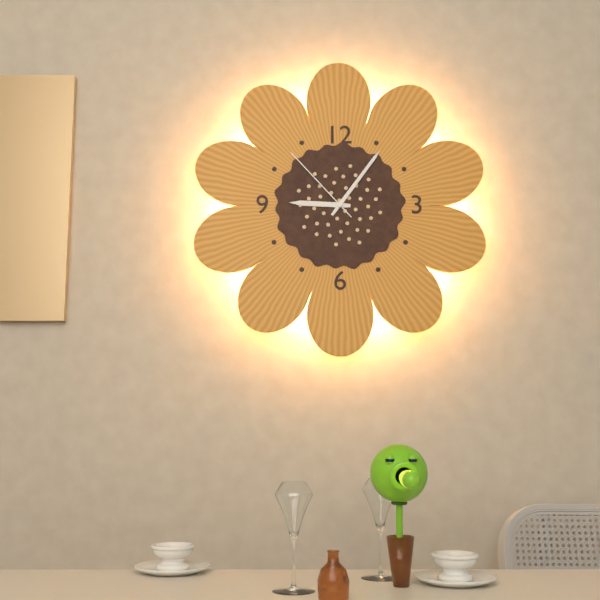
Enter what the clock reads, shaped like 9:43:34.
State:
9:06:53
